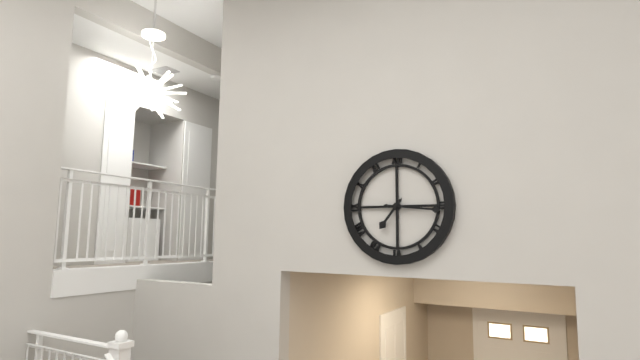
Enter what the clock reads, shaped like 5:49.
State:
7:16
